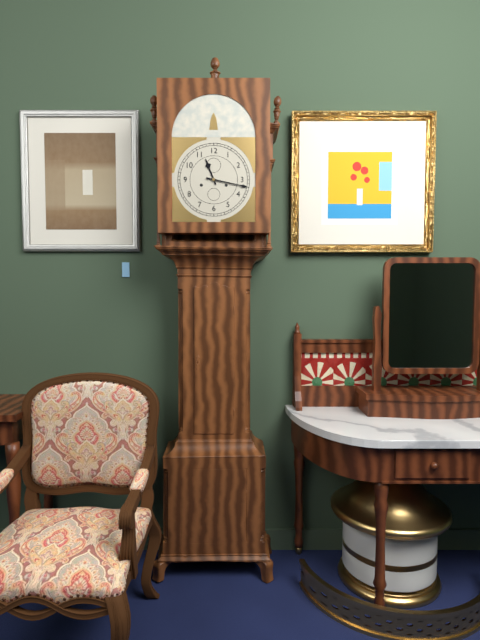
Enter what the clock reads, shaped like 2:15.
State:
11:17
